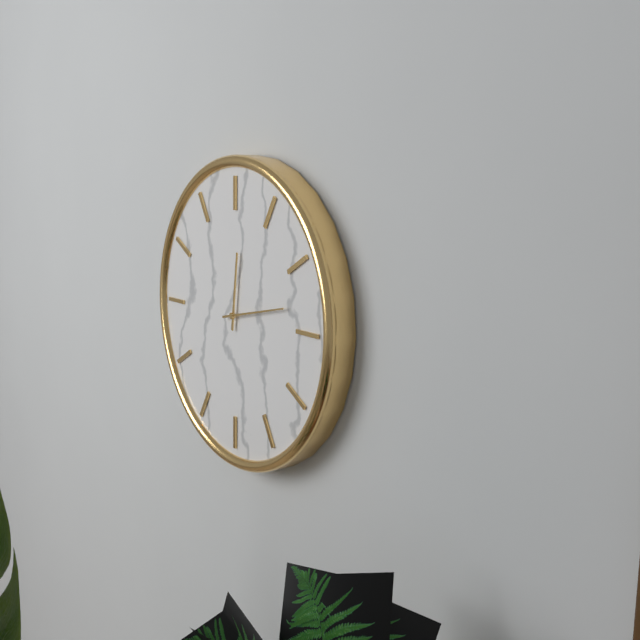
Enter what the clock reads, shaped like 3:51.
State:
12:13
